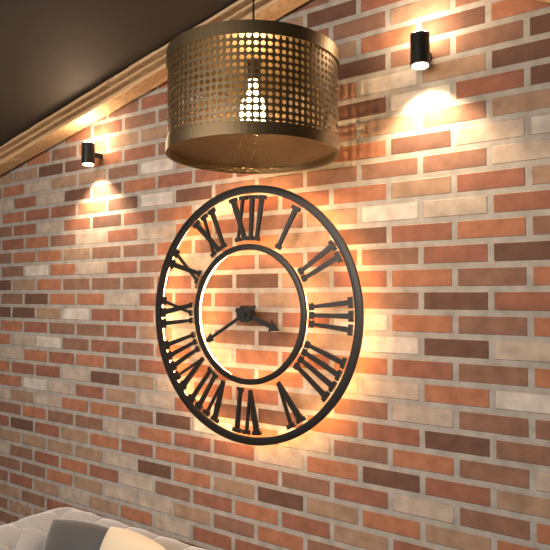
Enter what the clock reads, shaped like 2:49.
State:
3:40
